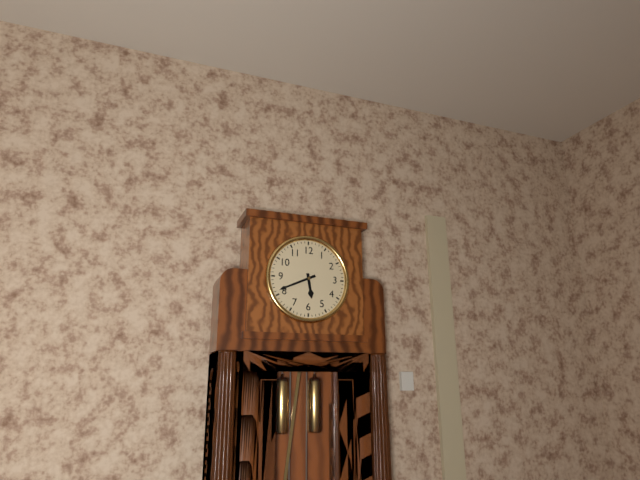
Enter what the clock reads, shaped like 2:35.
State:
5:41
